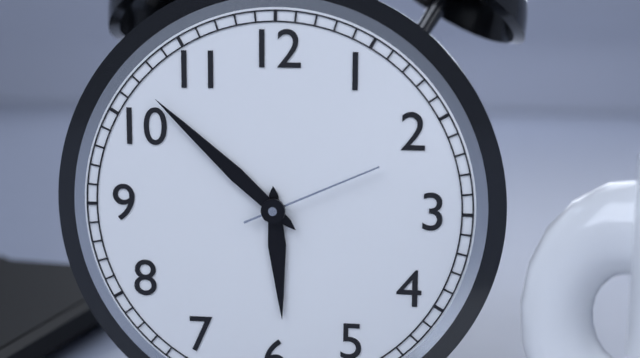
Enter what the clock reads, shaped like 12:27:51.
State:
5:52:11
